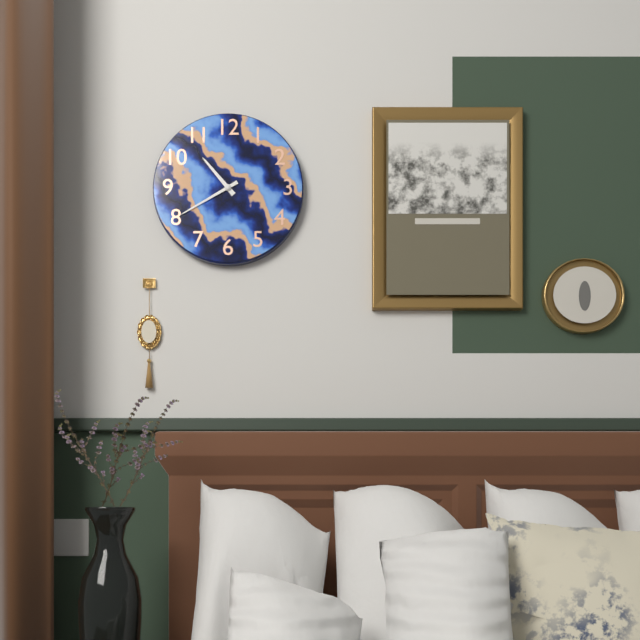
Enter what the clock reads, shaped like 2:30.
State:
10:40
